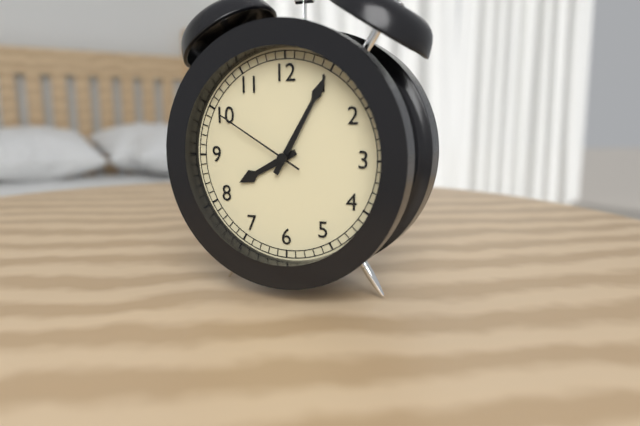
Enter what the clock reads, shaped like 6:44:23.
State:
8:05:50
